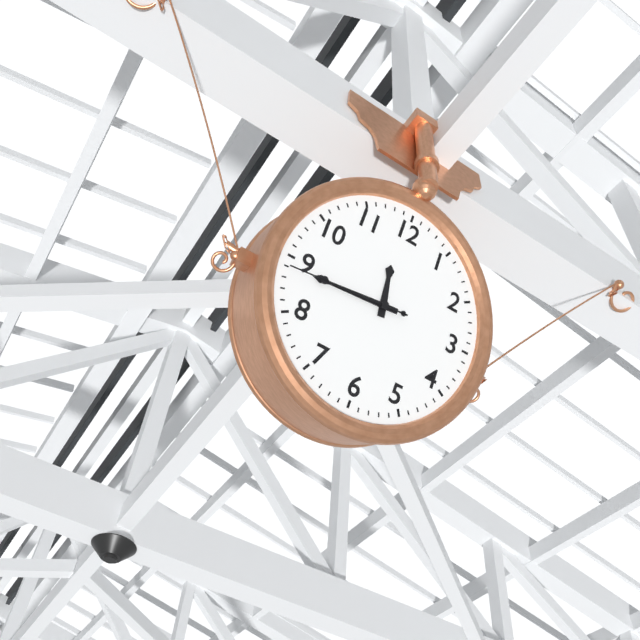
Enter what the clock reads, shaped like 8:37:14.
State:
11:44:44
